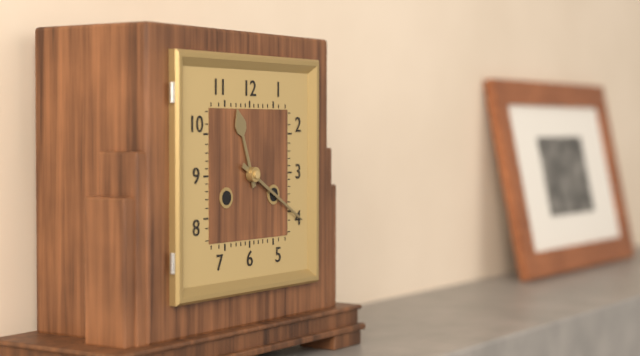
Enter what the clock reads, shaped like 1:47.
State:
11:20
